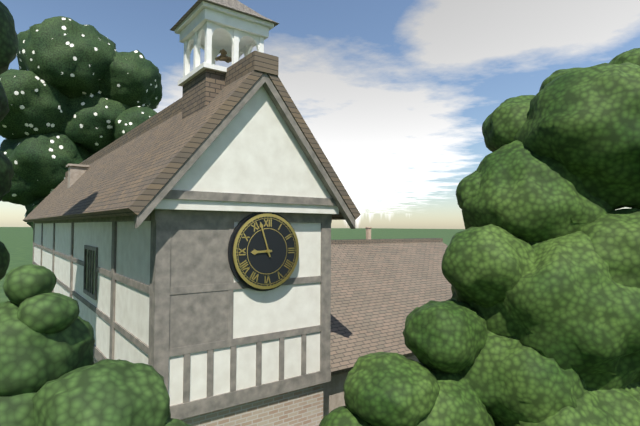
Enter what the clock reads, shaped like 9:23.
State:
8:57
